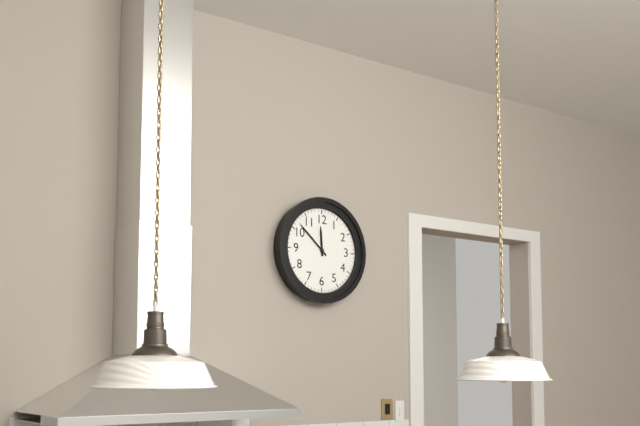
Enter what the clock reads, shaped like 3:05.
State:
11:52
